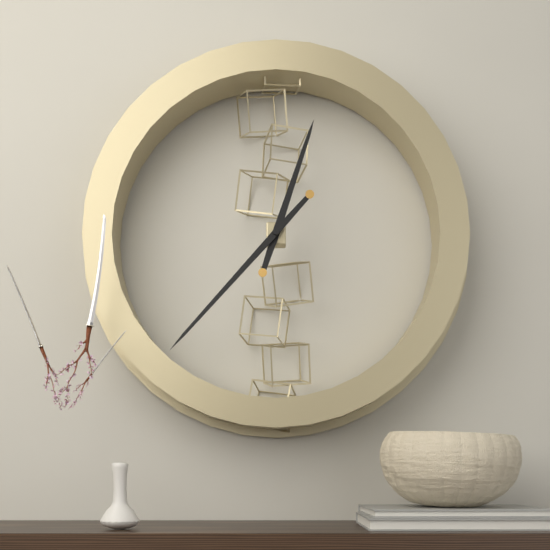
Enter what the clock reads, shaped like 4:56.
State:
12:37
